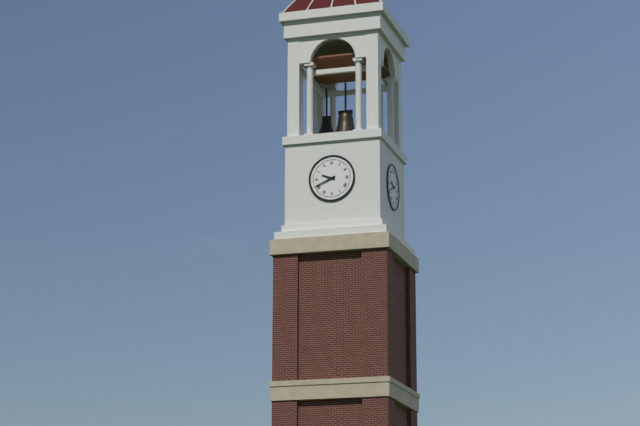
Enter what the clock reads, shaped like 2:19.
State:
9:41
